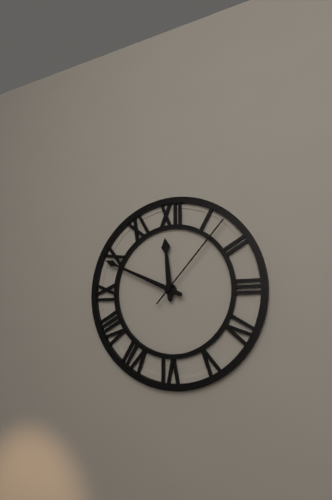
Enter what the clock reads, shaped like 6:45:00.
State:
11:49:07
